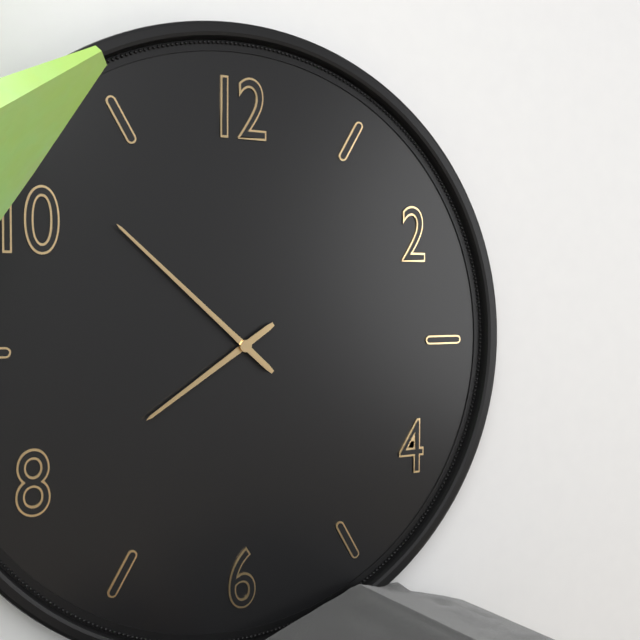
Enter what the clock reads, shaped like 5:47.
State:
7:52
